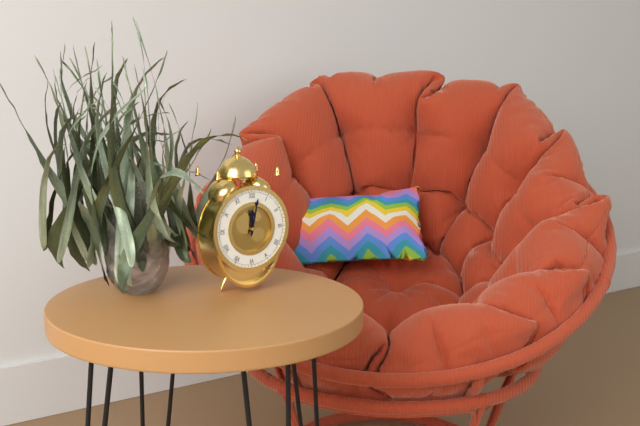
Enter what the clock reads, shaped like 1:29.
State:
12:02
